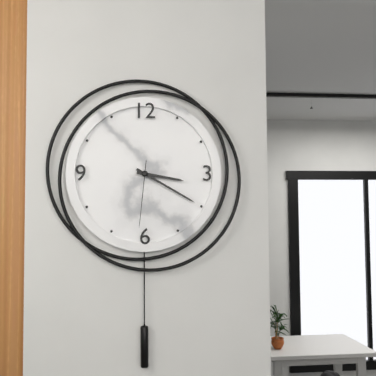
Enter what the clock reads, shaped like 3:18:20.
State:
3:20:31
